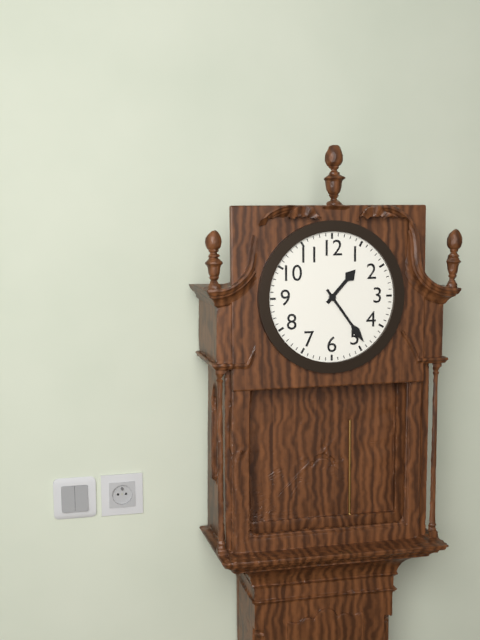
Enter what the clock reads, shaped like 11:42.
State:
1:24
